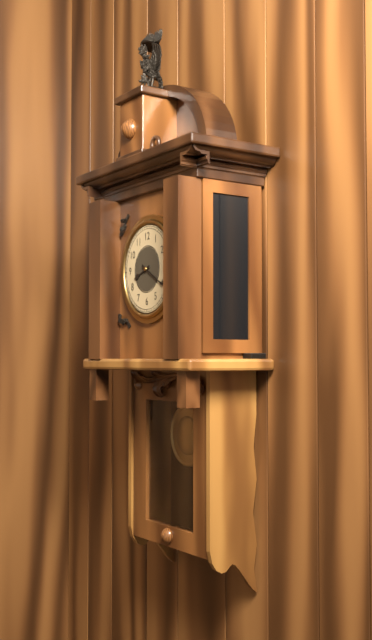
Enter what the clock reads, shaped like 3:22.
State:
8:20
